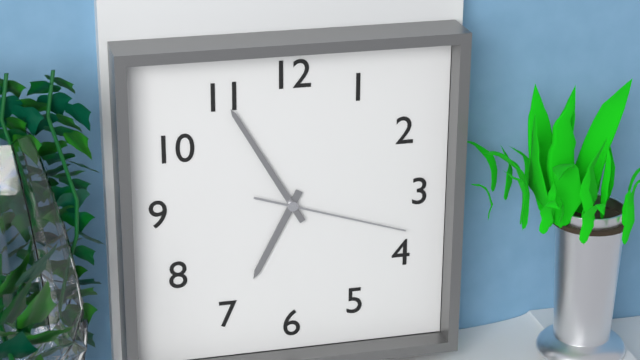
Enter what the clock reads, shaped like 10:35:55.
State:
6:55:18
